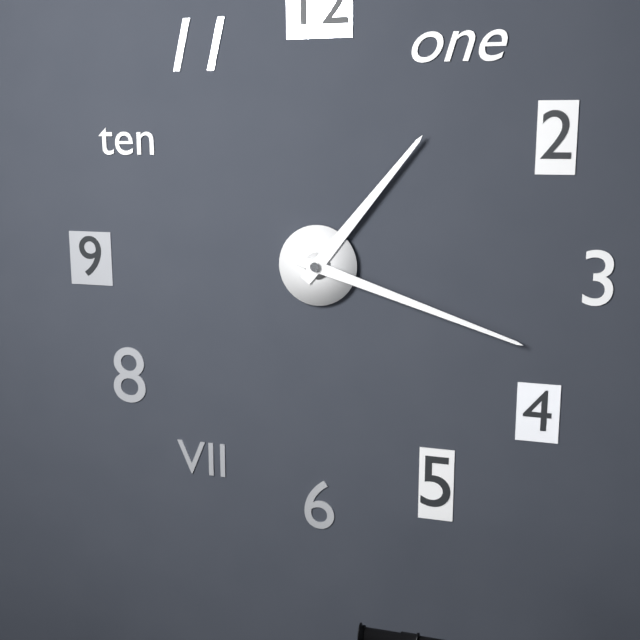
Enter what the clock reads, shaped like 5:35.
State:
1:18
